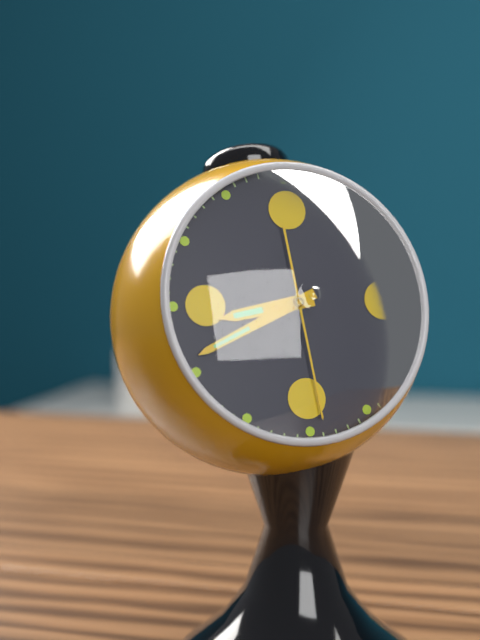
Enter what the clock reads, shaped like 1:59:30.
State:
8:41:29
